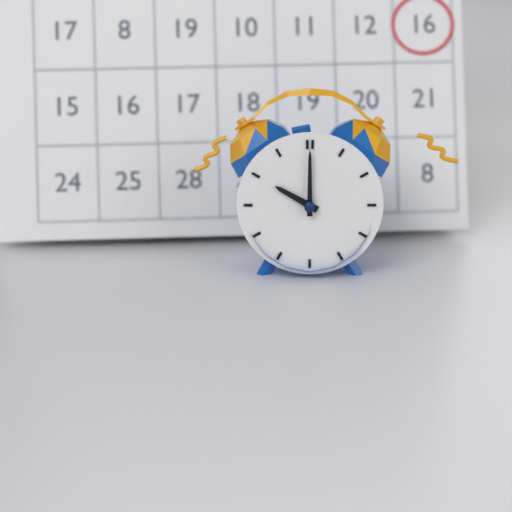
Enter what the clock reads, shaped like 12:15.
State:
10:00
